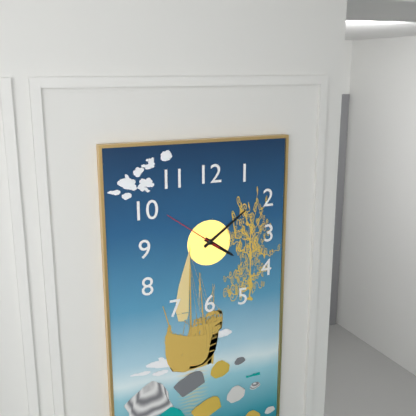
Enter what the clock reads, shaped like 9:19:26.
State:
4:09:51
